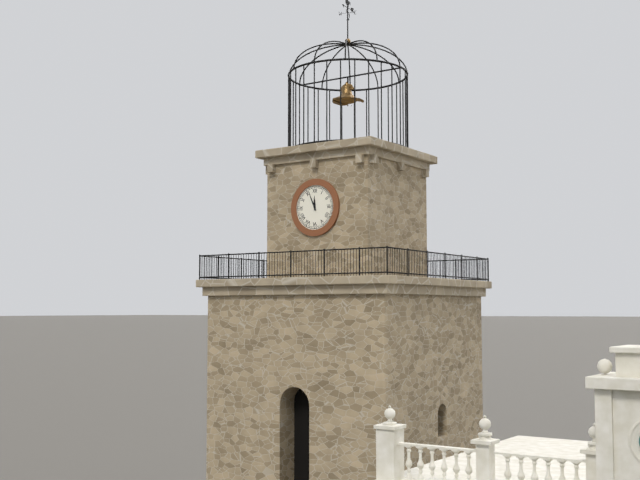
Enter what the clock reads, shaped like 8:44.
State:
11:56
